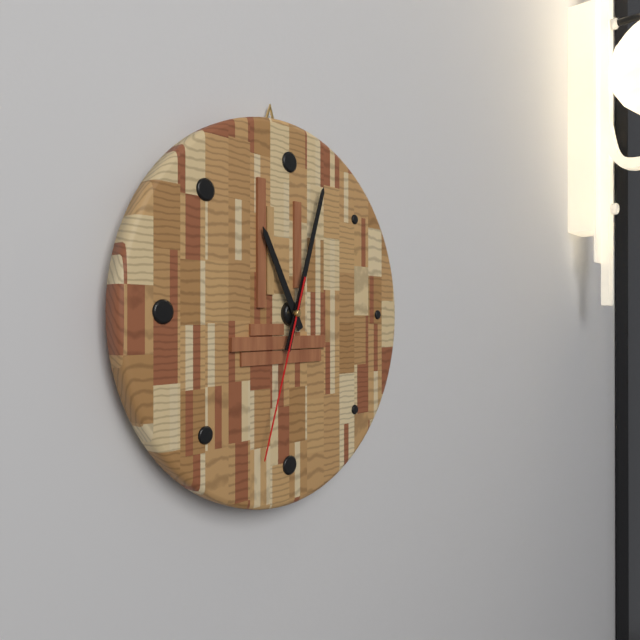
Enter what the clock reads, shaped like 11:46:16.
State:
11:03:33
